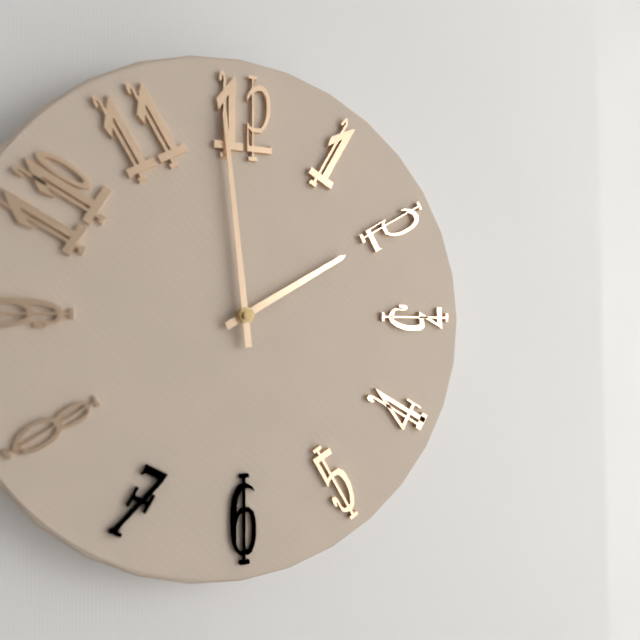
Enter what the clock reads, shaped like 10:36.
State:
1:59
